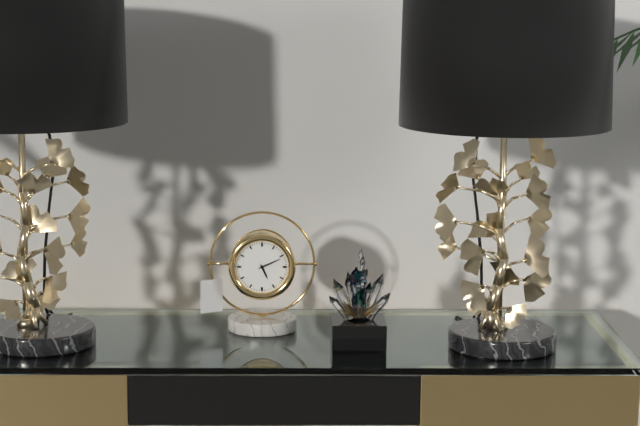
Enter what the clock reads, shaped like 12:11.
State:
5:11
